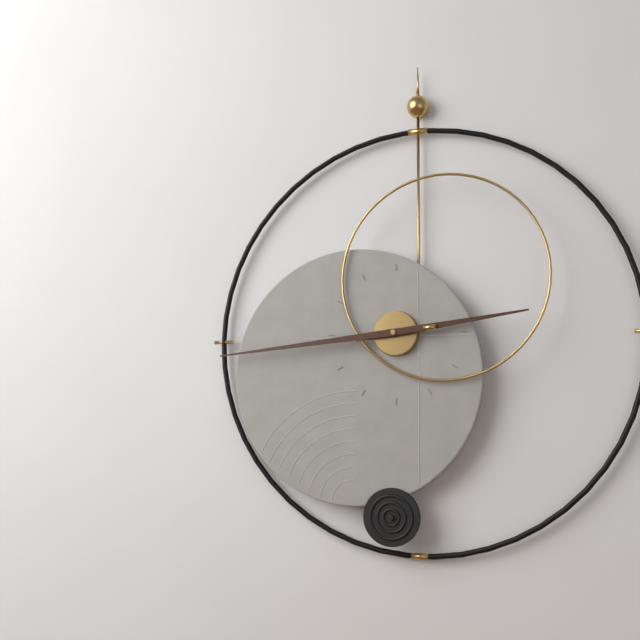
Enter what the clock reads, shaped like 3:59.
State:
2:44
